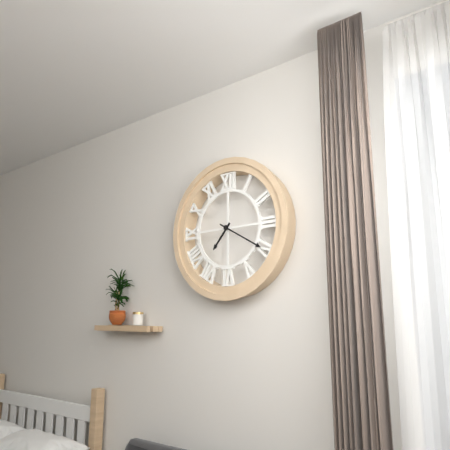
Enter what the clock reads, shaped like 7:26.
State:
7:20
